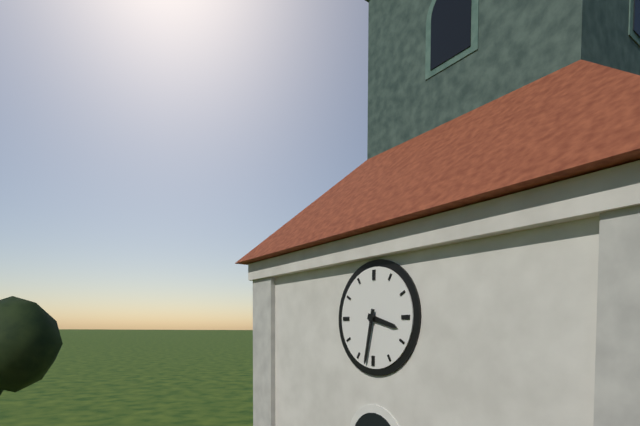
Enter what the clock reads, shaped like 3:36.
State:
3:32
